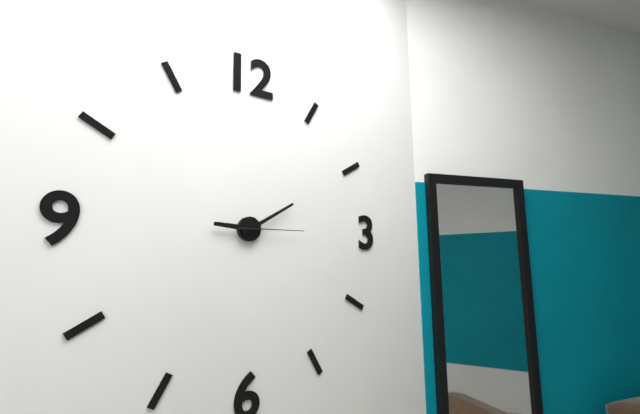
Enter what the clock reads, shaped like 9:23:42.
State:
9:10:15
